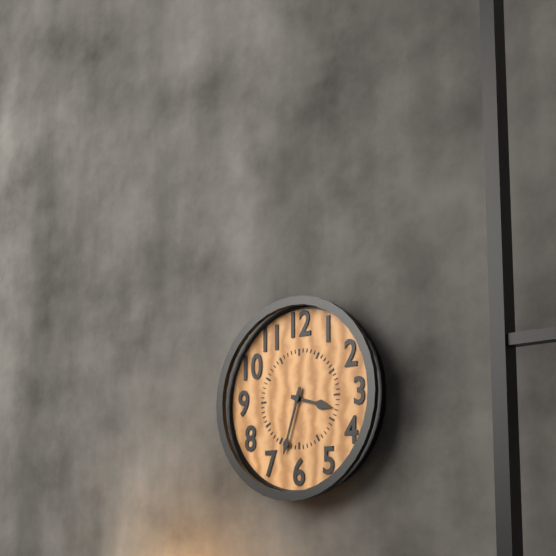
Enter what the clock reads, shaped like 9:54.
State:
3:33
